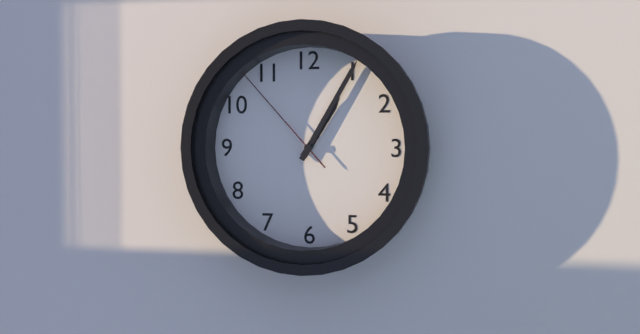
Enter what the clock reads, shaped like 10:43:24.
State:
1:05:53
